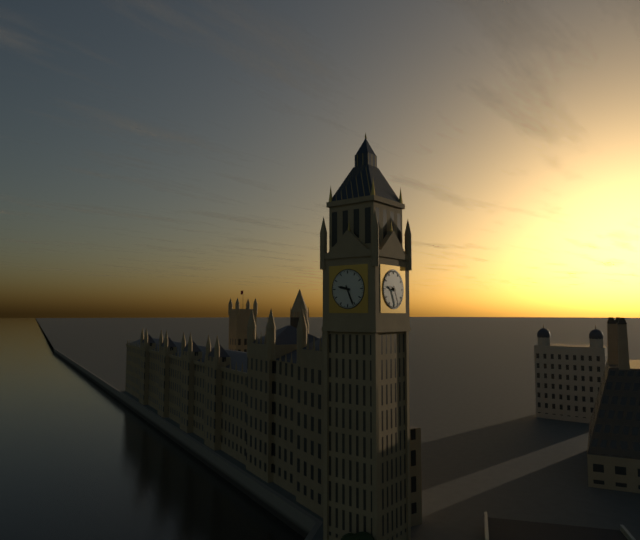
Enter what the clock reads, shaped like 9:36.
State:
9:26
